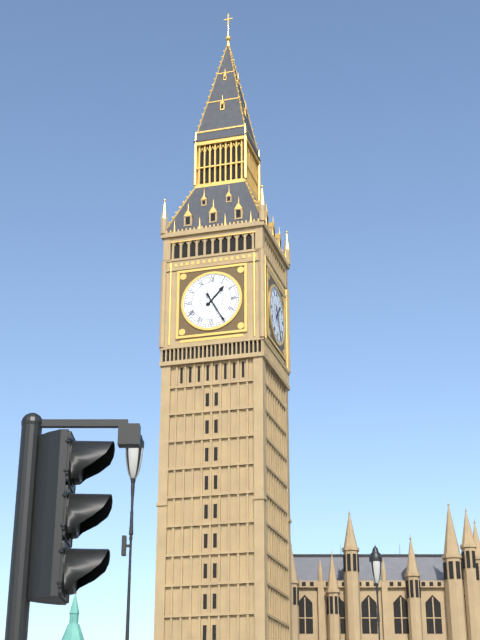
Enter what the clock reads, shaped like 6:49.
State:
1:25
